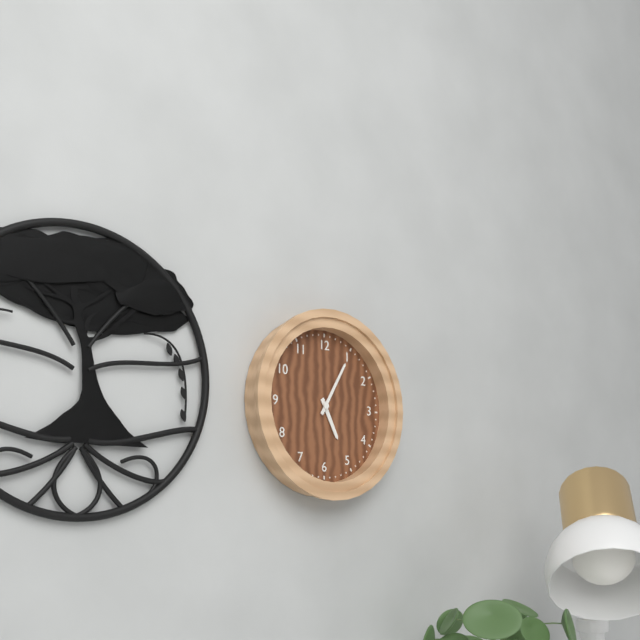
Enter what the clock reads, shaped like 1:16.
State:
5:05
